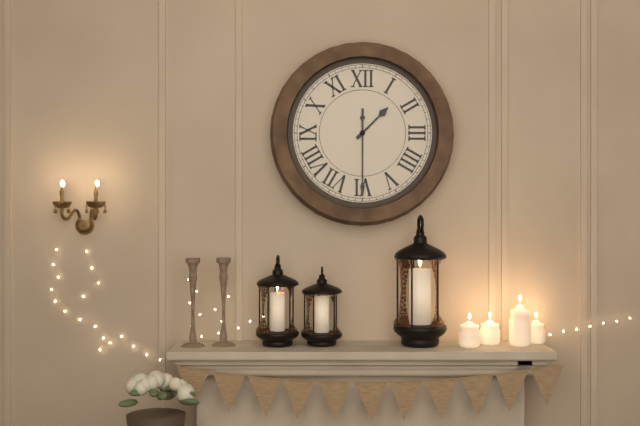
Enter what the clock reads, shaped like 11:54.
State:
1:30
